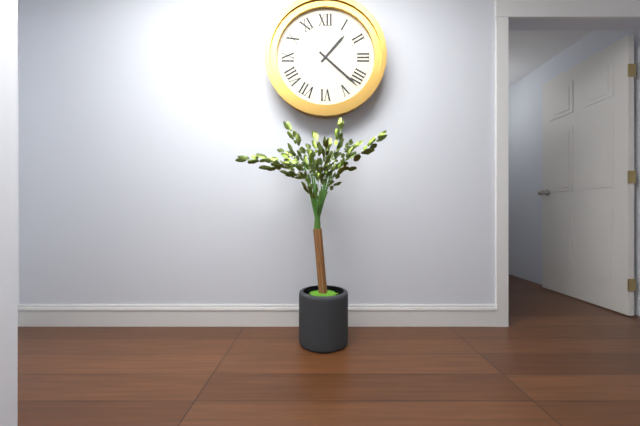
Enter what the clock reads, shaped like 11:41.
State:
1:22
